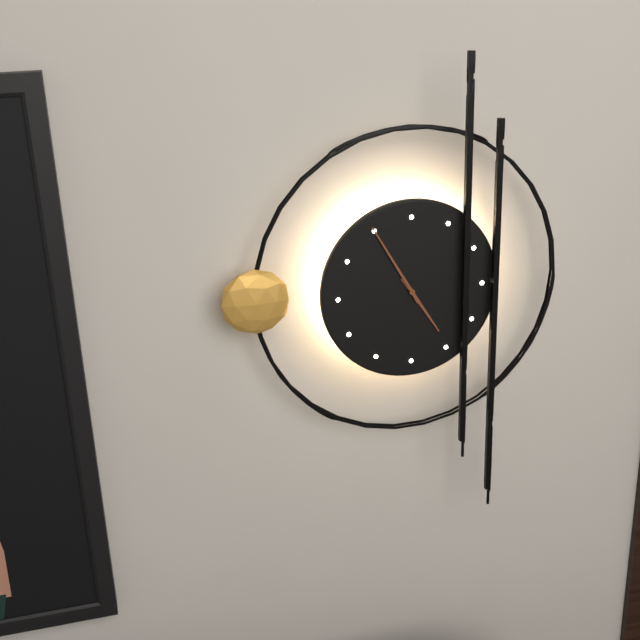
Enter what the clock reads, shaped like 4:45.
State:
4:55
